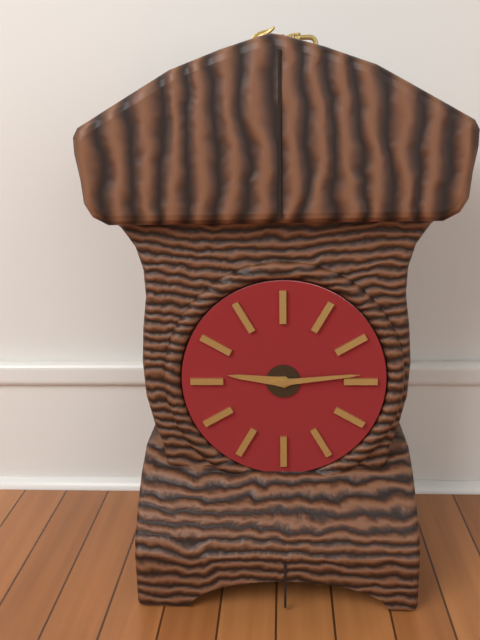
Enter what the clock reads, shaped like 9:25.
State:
9:14
